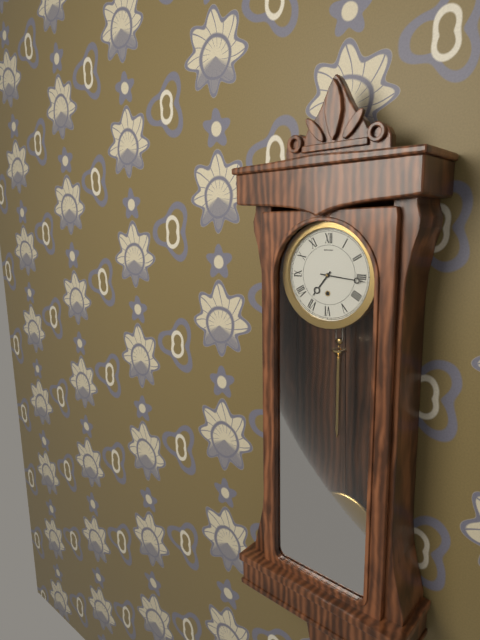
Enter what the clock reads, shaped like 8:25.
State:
7:16
